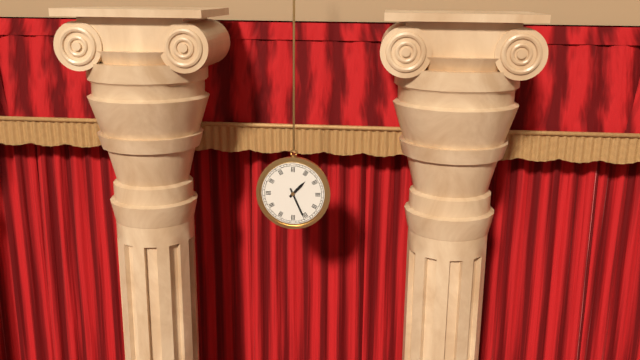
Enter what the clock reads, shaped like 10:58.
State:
1:26
